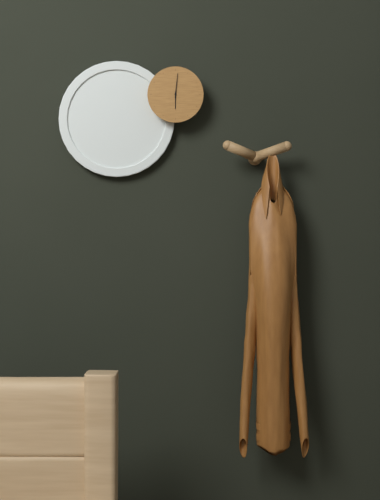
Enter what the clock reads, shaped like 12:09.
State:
6:01
